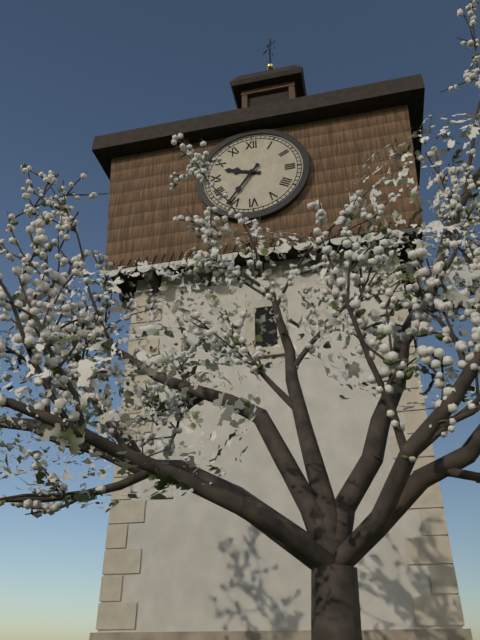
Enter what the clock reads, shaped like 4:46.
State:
9:36
